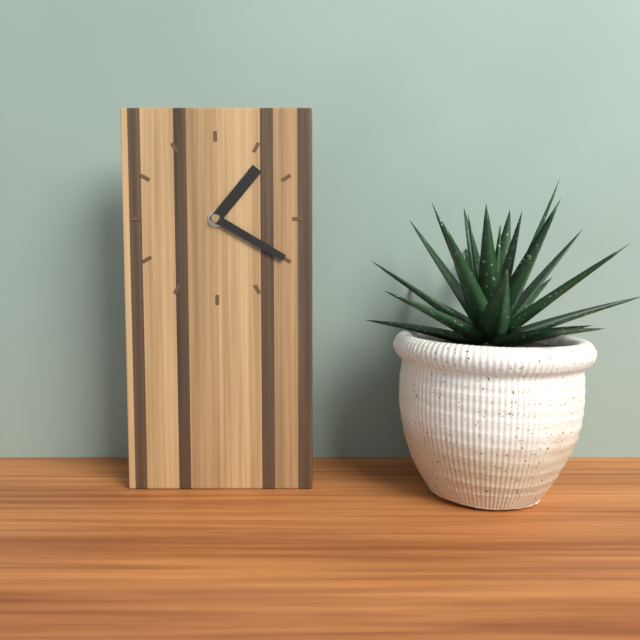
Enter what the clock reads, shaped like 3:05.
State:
1:20
